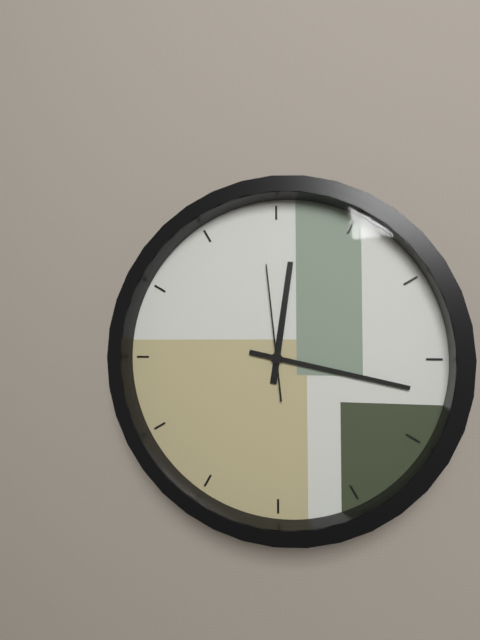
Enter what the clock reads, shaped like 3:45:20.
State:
12:17:59
